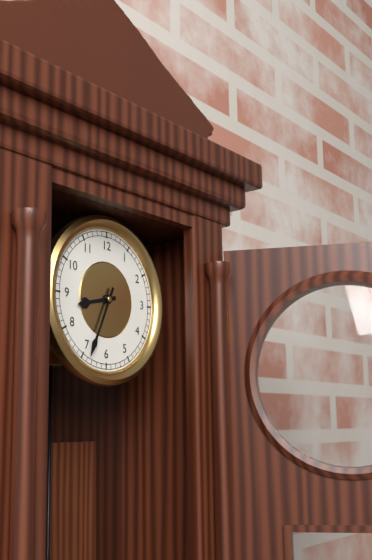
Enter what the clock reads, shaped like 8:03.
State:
8:34
